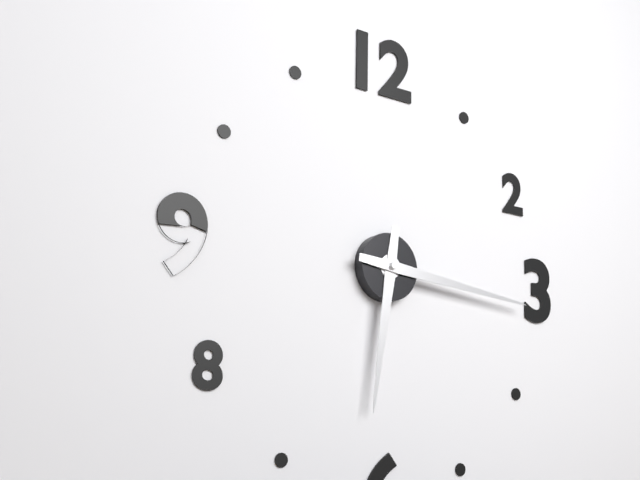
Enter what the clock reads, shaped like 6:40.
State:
6:16
